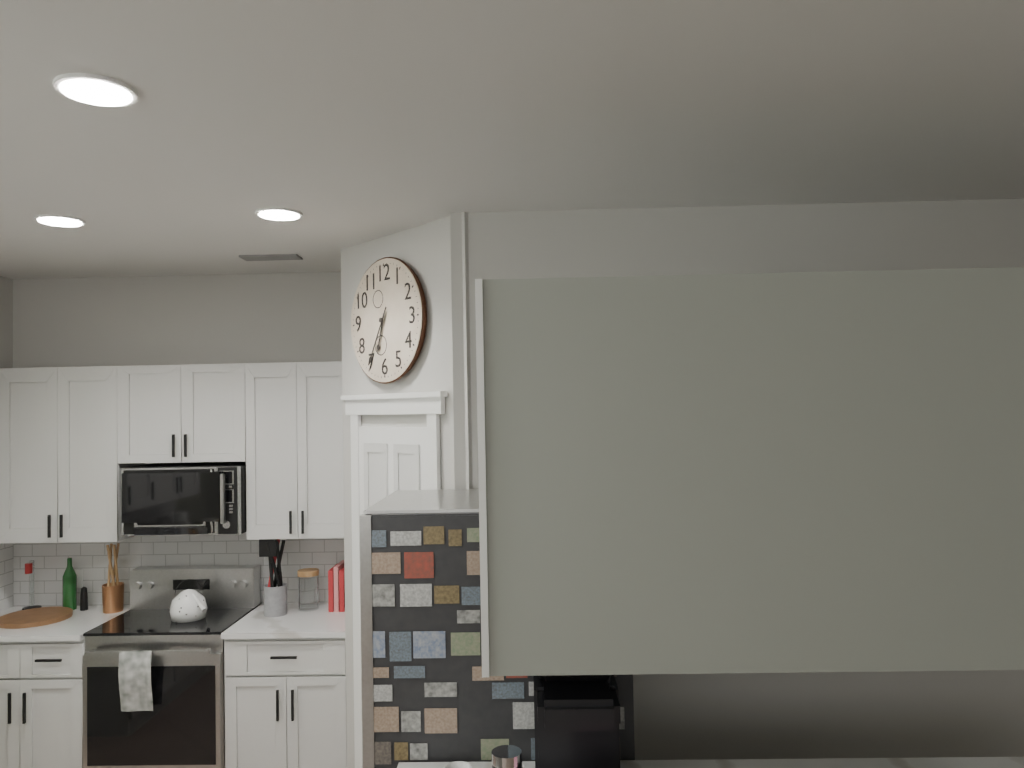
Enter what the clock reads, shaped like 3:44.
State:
6:35
